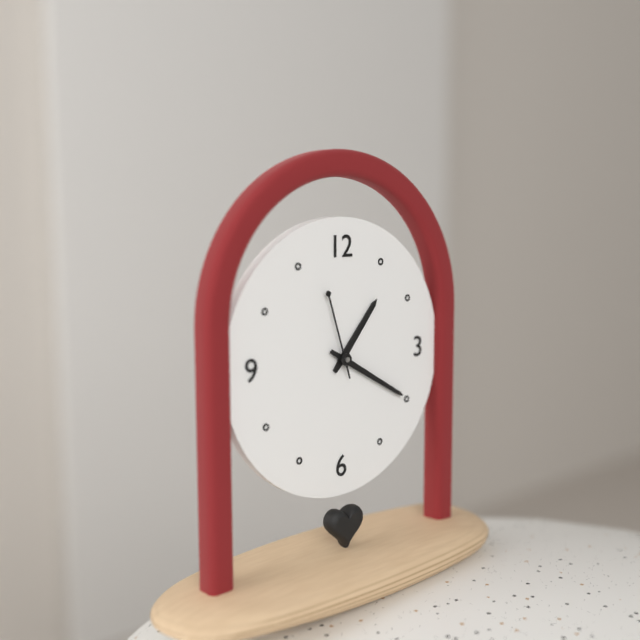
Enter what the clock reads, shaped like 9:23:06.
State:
1:20:57
